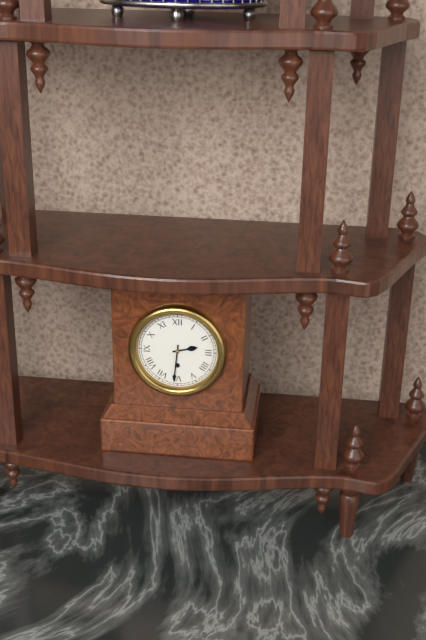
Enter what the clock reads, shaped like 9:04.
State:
2:31
